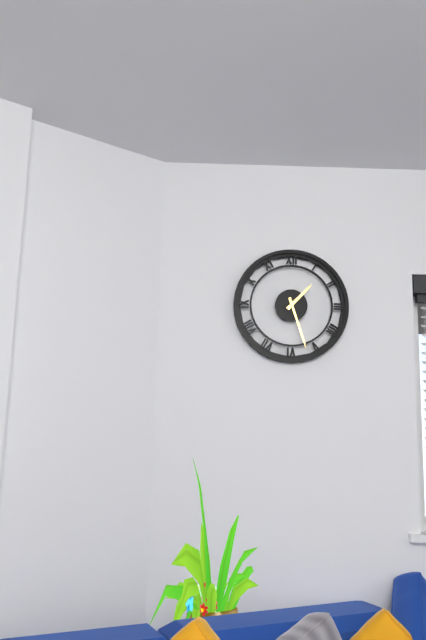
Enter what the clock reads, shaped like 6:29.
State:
1:27
